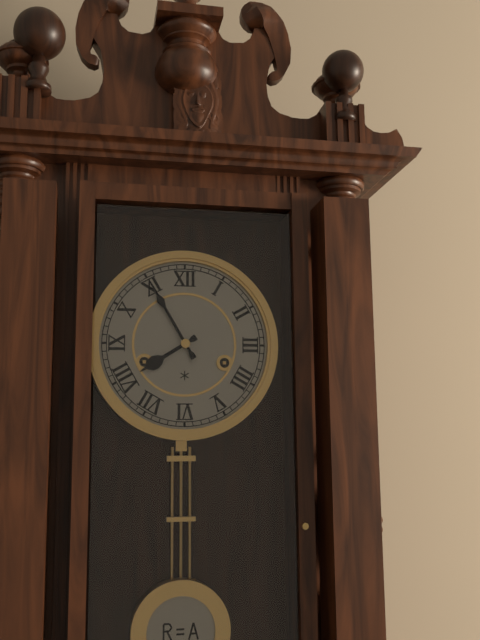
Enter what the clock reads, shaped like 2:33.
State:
7:55
